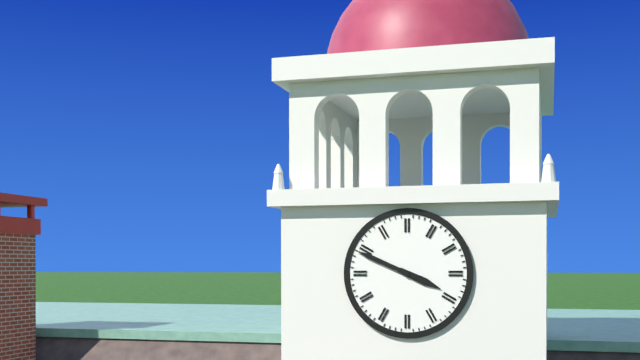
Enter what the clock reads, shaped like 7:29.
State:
3:49
